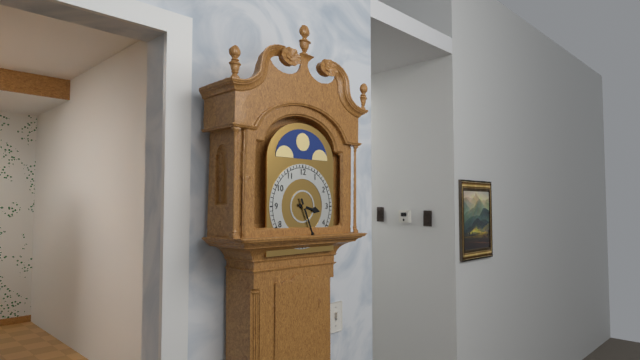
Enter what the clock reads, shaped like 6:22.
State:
3:26
